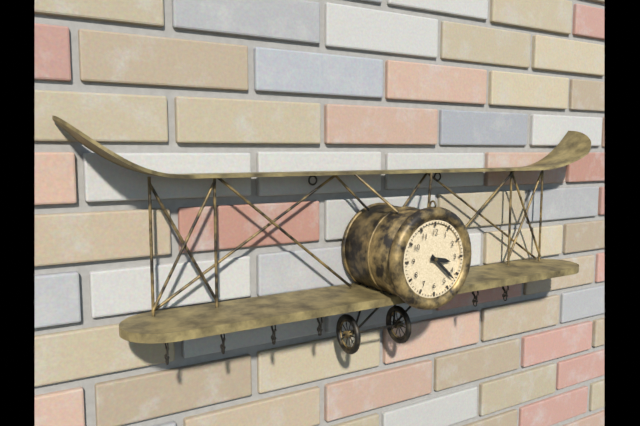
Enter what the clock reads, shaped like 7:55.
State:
3:22
